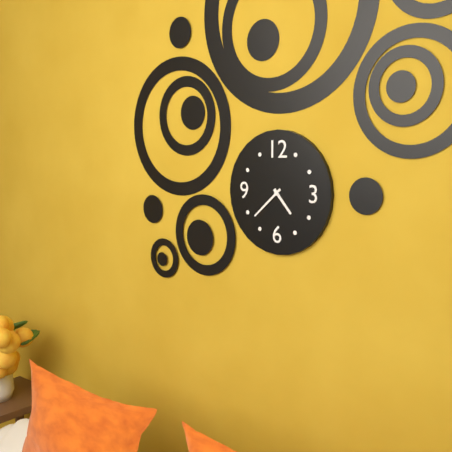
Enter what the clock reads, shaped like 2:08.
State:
4:38
